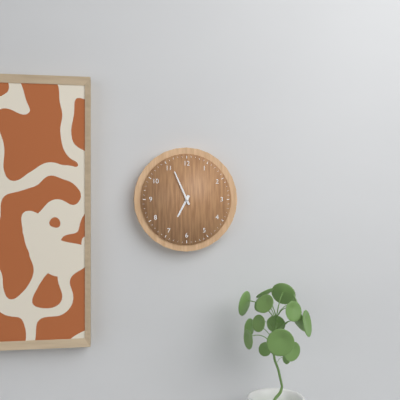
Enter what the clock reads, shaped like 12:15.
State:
6:56
